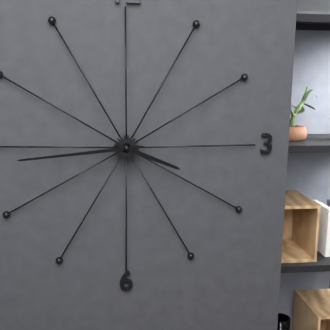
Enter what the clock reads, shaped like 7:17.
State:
3:44
